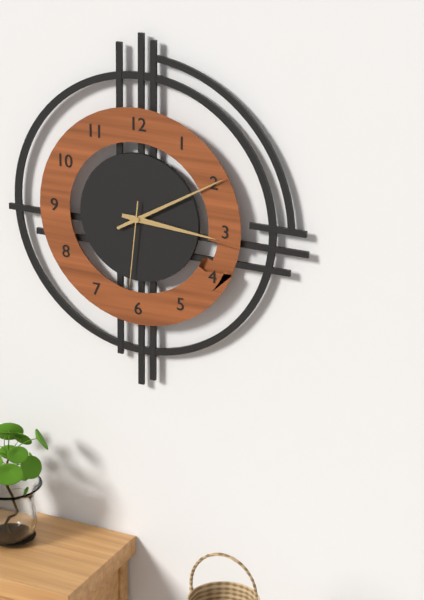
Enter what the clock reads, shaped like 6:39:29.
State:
3:10:31
